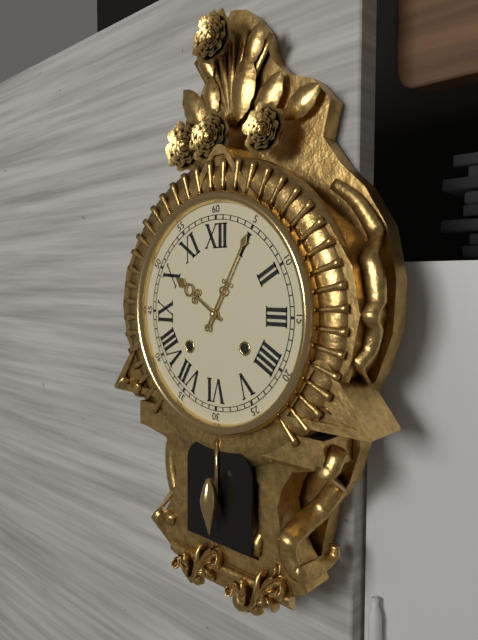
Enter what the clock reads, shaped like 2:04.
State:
10:05
